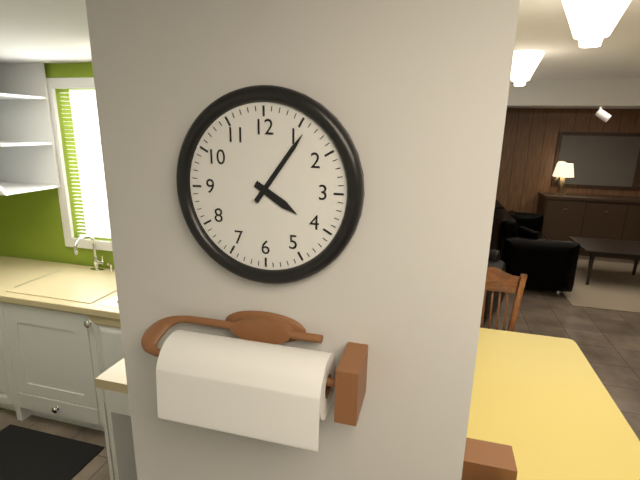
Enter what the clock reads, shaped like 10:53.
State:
4:06
